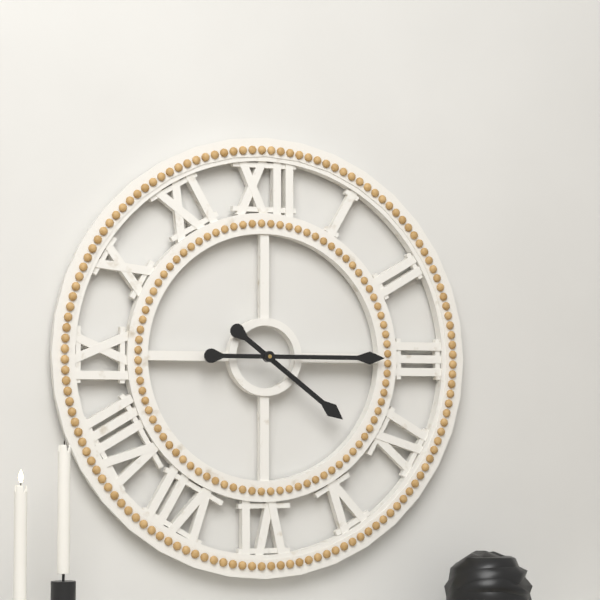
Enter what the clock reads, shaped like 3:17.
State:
4:15
